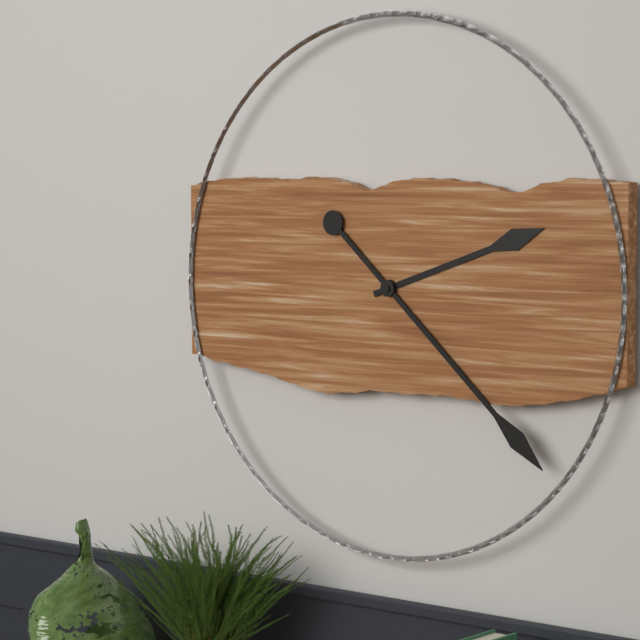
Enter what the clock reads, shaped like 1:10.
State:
2:22
